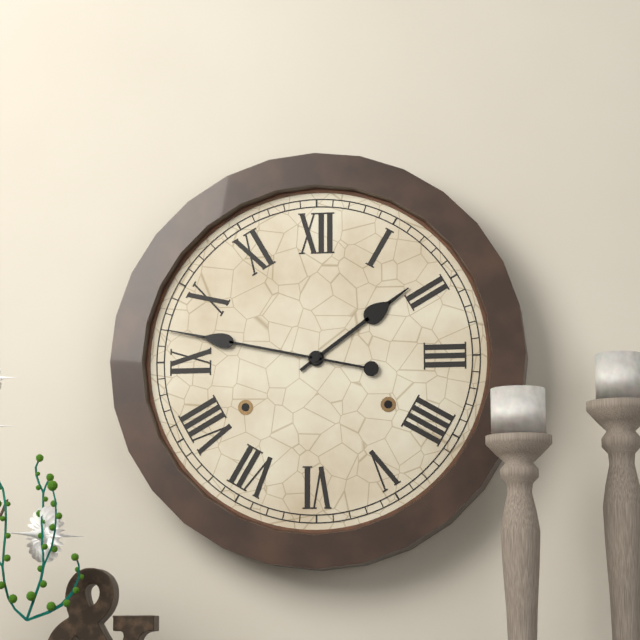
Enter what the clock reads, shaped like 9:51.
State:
1:47
